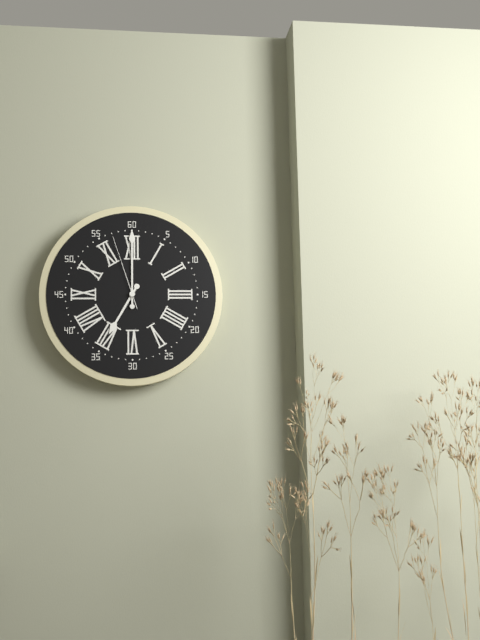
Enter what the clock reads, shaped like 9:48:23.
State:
7:00:57
